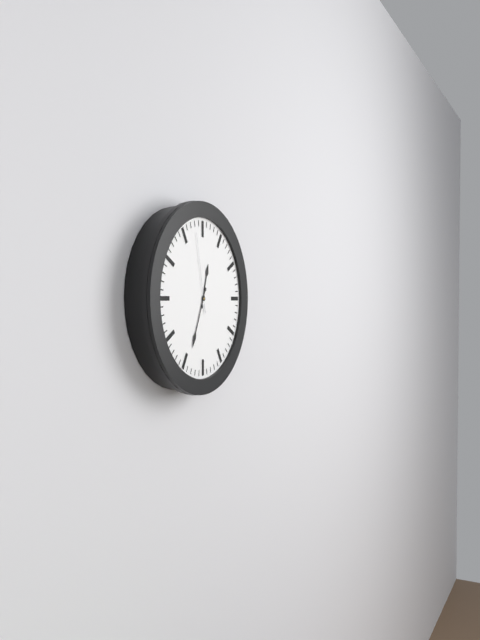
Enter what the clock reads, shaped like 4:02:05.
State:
12:34:58
